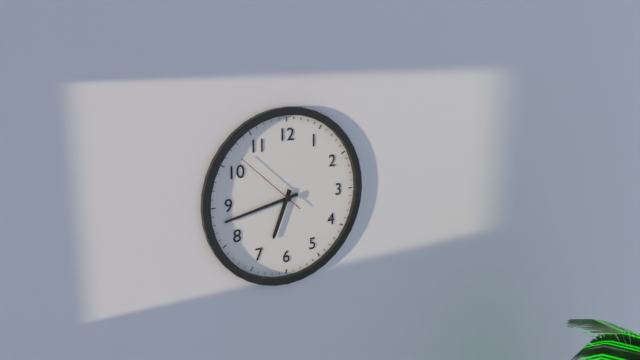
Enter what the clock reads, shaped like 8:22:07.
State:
6:43:52
